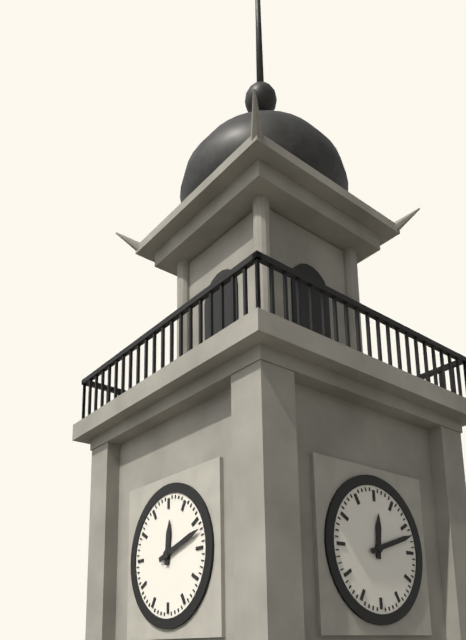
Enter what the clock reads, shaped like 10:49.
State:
12:12
